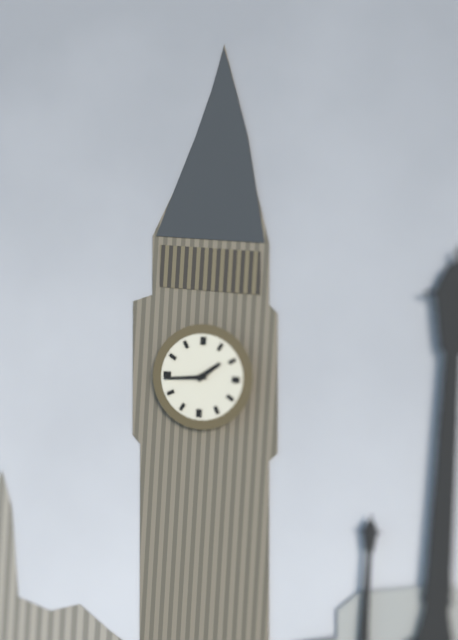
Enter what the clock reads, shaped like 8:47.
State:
1:44
